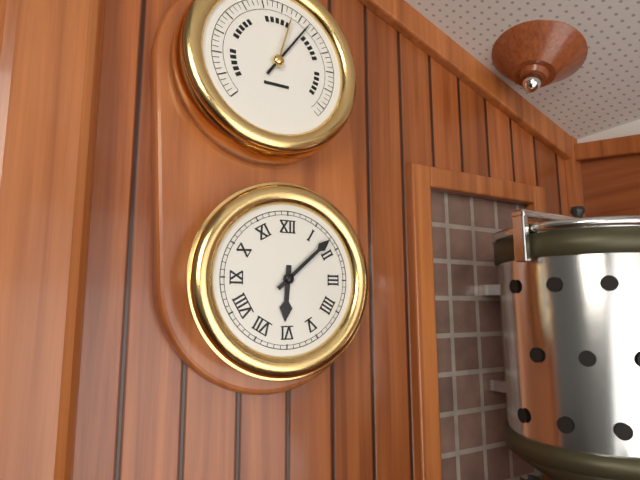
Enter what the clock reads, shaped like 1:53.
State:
6:08
